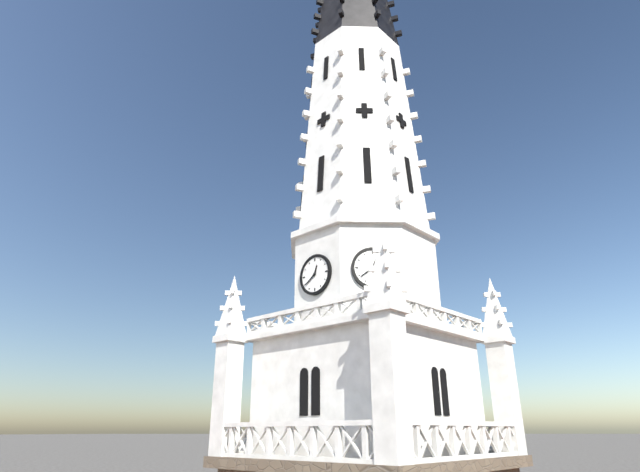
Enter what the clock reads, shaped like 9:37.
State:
12:39
